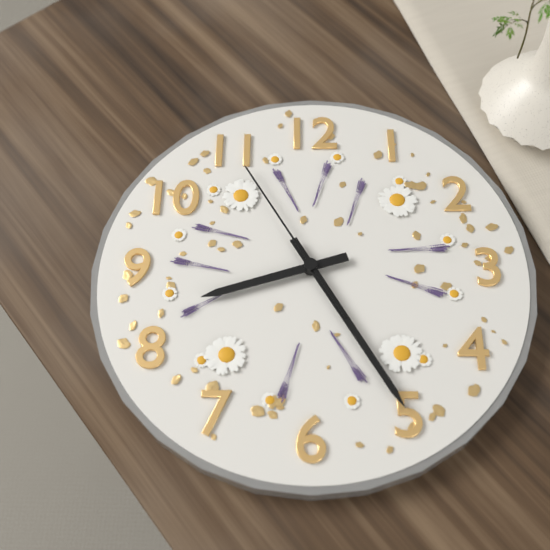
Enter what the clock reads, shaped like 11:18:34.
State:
8:25:55
